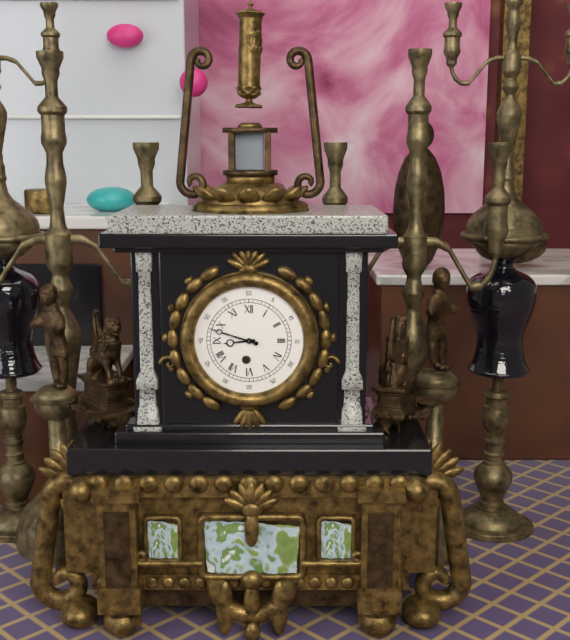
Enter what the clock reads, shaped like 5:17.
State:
8:48
